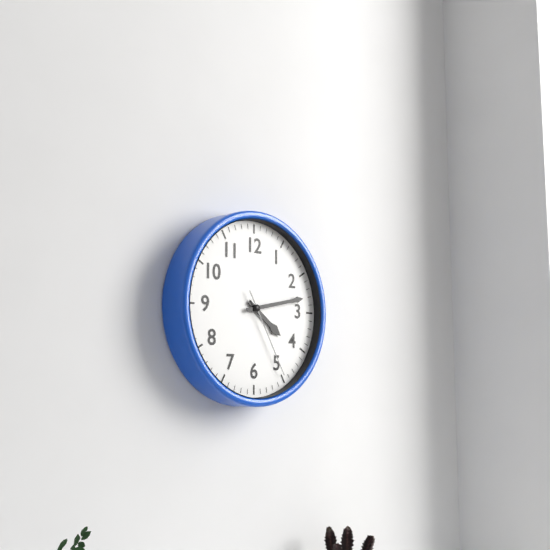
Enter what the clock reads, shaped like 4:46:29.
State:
4:13:25
